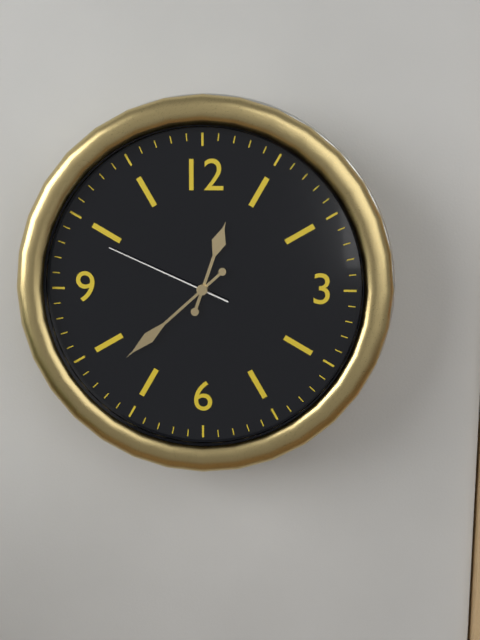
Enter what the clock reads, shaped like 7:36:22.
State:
12:38:49
